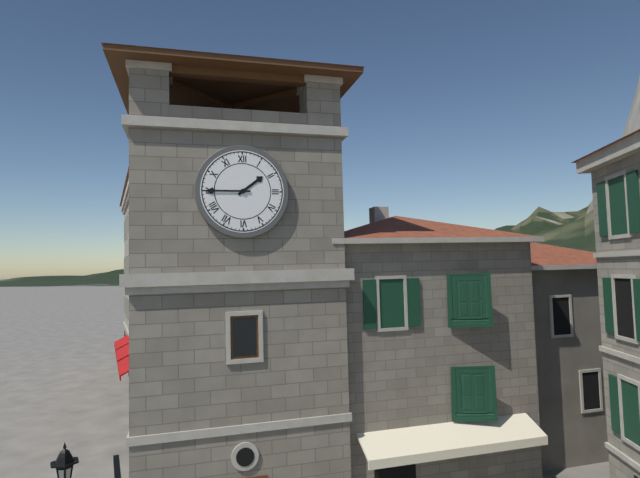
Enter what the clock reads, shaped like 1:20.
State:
1:45
